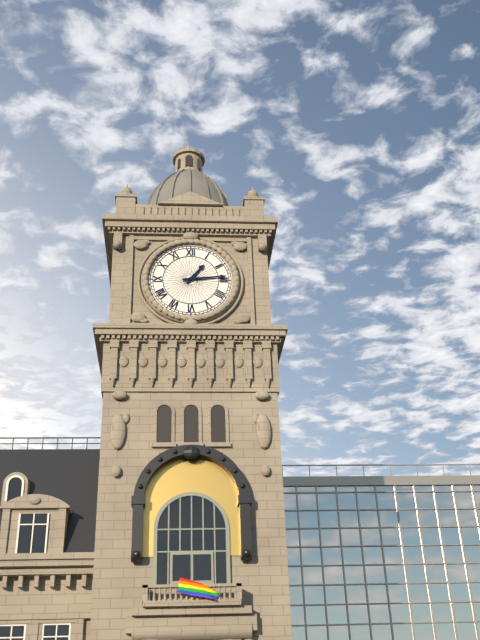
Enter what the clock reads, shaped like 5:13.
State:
1:14
